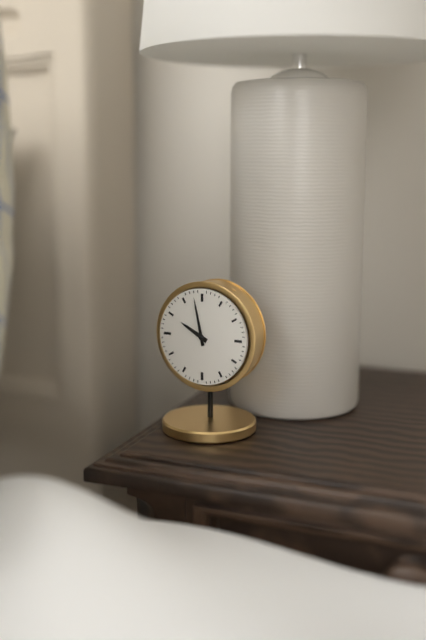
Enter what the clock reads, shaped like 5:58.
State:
9:58
